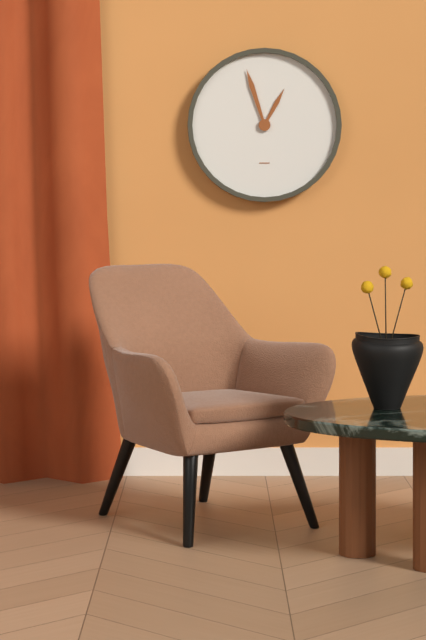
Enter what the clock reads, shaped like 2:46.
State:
12:57
